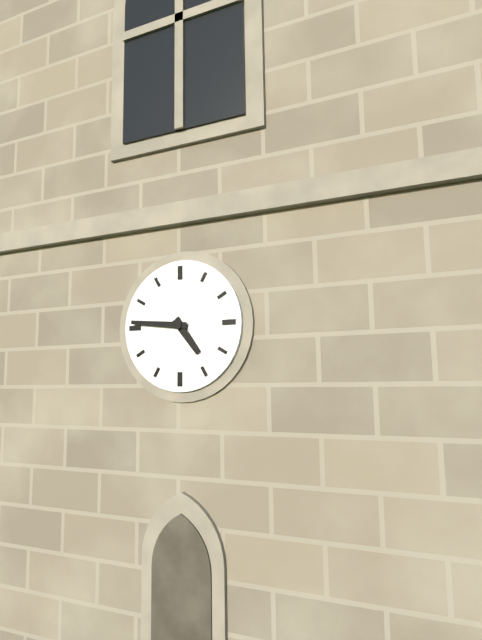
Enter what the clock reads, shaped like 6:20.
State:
4:46
